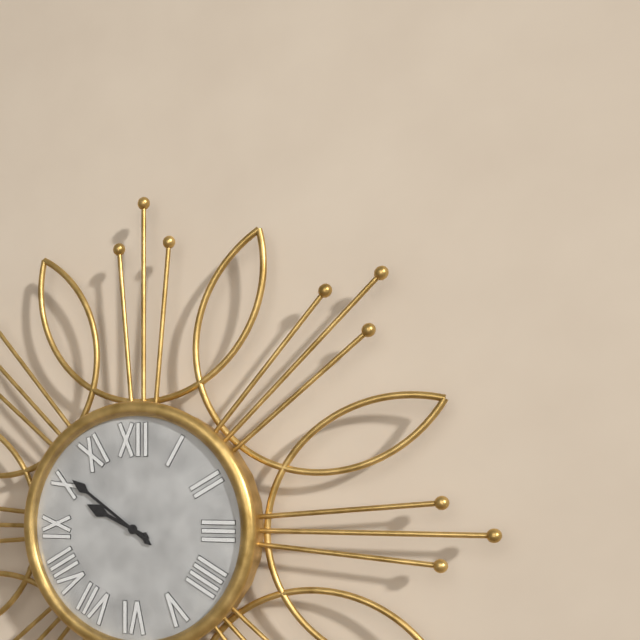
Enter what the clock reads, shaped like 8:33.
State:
9:51
